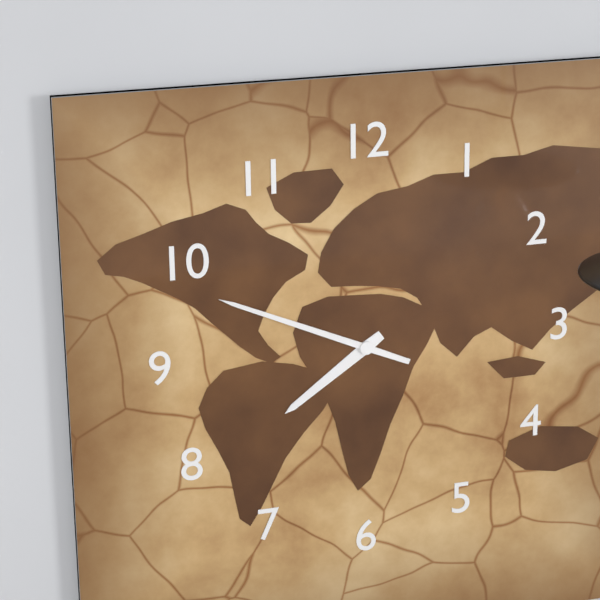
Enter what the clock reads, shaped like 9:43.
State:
7:49
